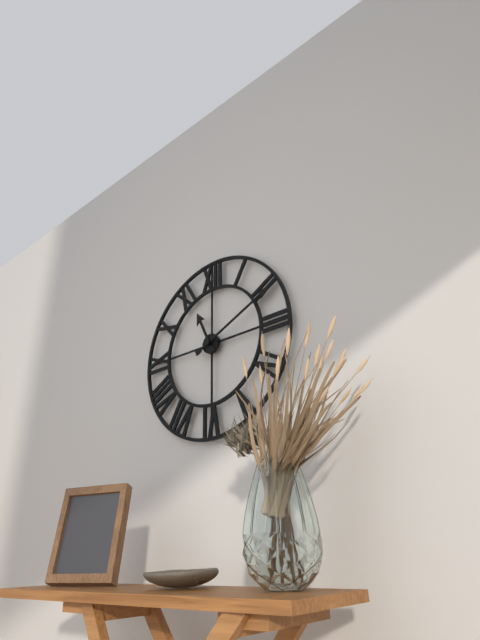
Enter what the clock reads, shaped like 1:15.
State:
11:11
